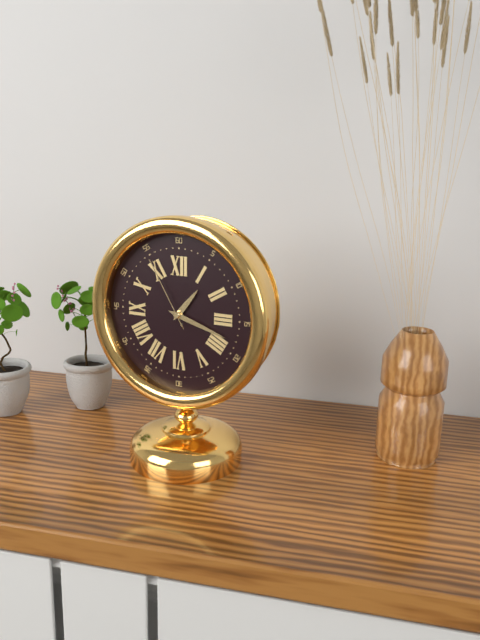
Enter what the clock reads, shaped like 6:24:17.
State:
1:18:55
